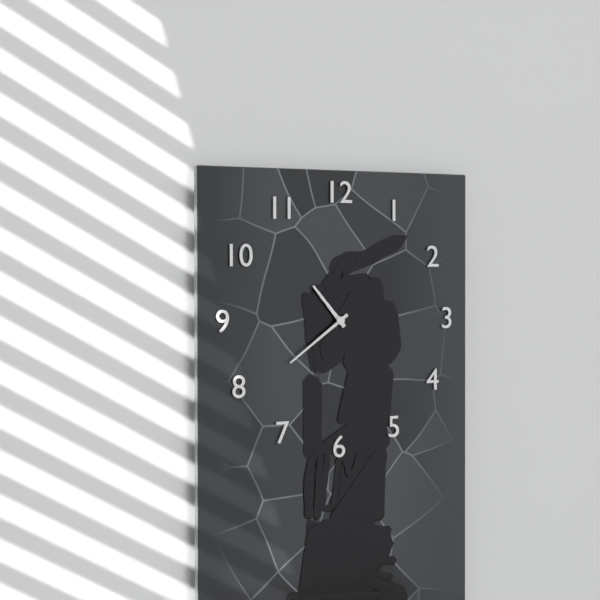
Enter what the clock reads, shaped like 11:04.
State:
10:39
